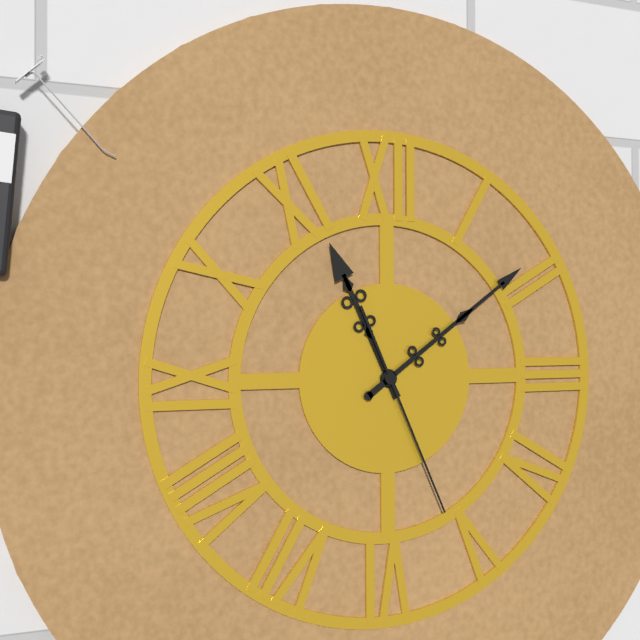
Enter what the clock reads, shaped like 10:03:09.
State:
11:09:26
